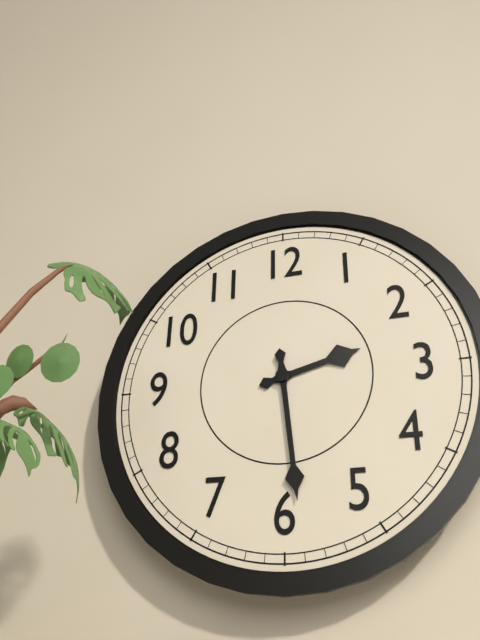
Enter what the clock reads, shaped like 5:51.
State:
2:29
